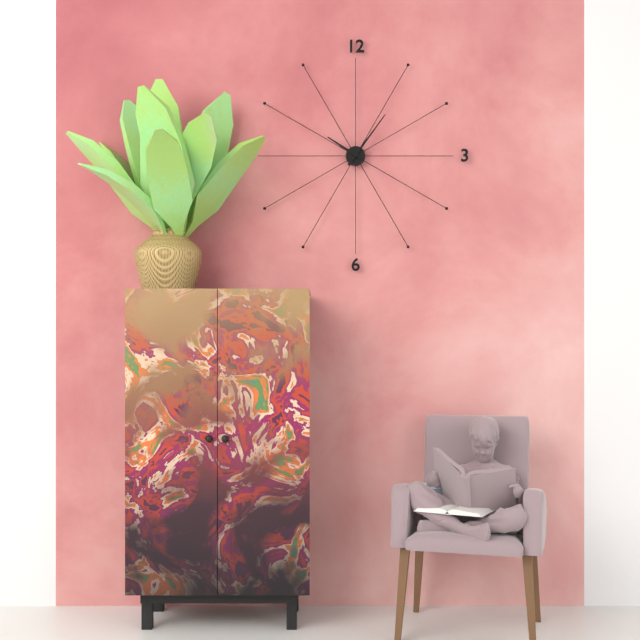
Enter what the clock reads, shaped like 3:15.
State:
10:06
